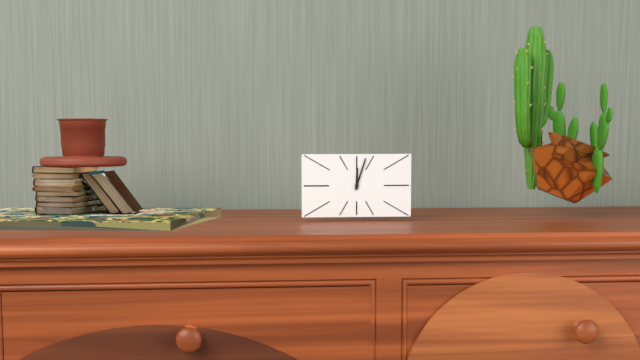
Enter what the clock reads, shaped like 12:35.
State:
12:03
